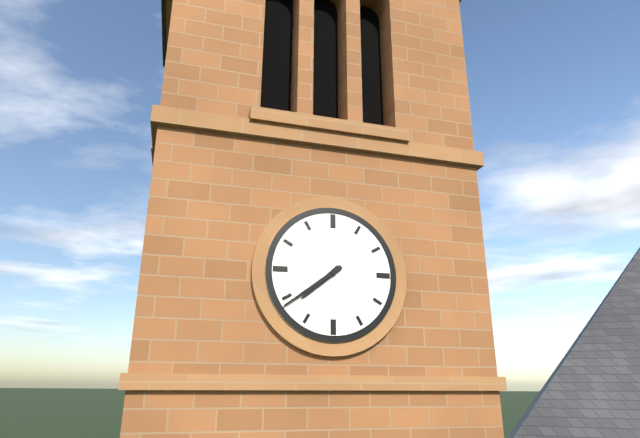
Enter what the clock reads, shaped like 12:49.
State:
7:39
